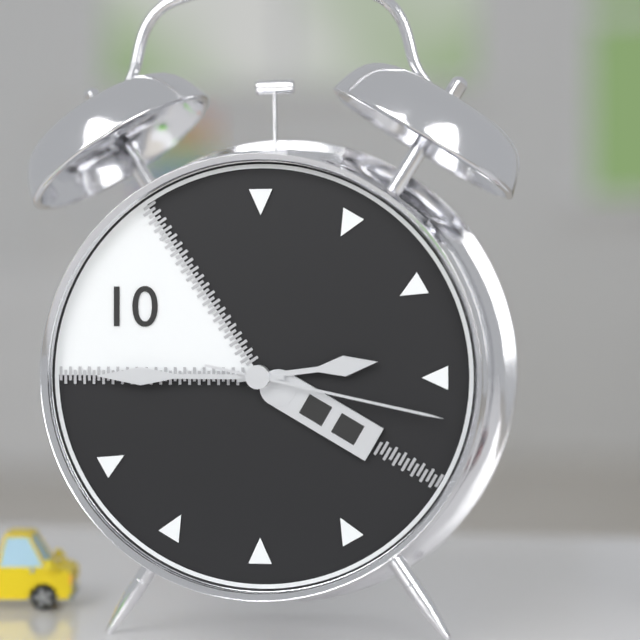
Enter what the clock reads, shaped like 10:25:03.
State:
2:45:17
